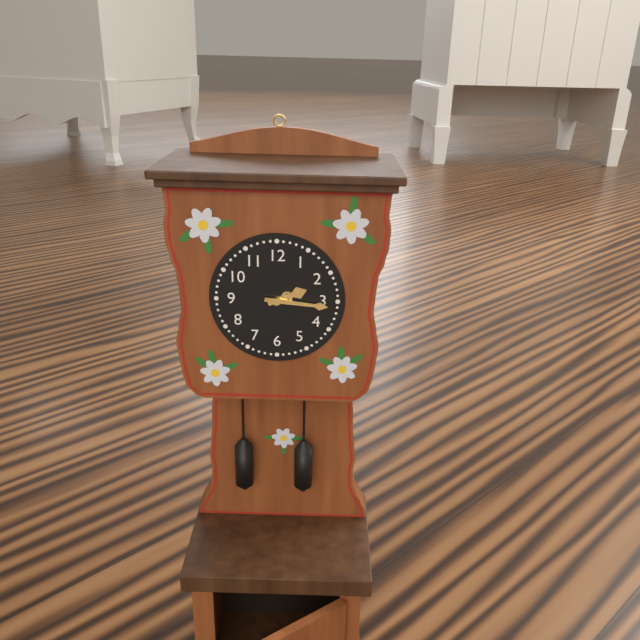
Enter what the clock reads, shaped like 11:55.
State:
2:16
